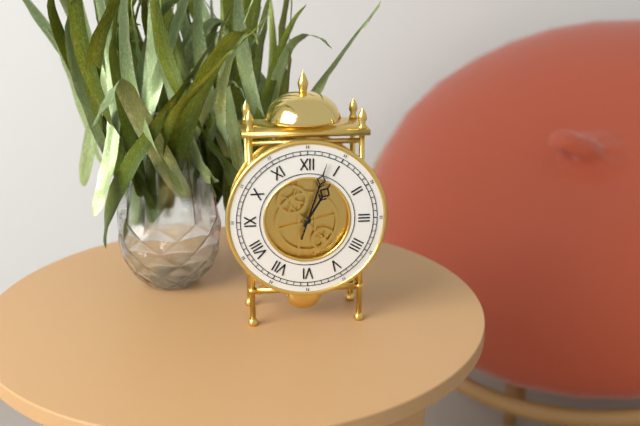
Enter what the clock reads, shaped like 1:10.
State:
1:03
